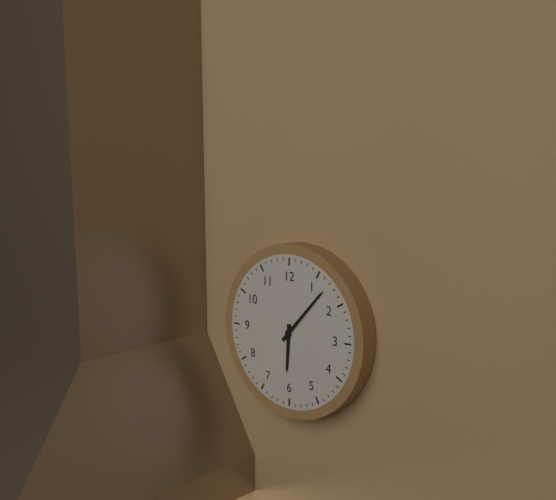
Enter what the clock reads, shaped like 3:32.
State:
6:07
